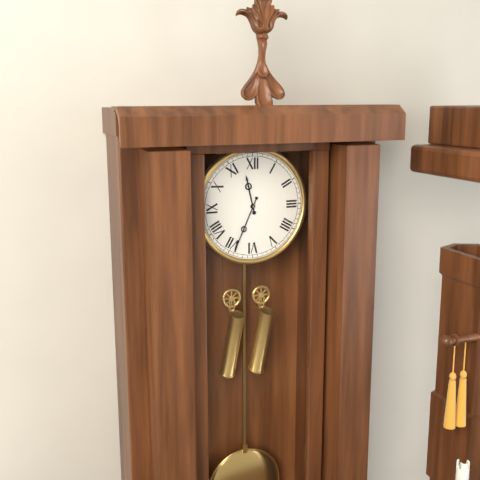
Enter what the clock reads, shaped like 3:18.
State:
11:34
